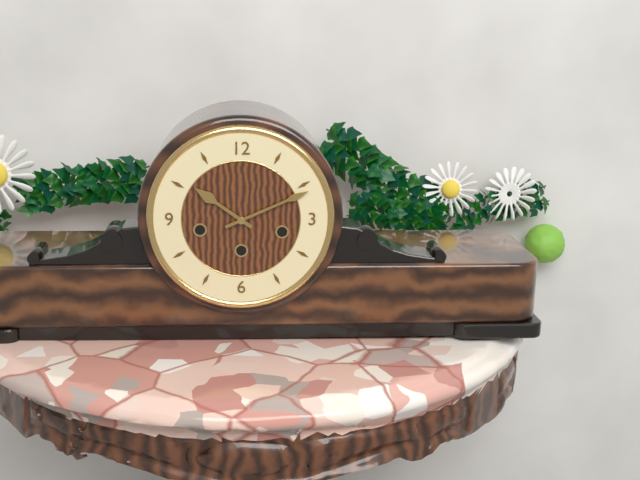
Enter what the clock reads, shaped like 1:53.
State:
10:11
